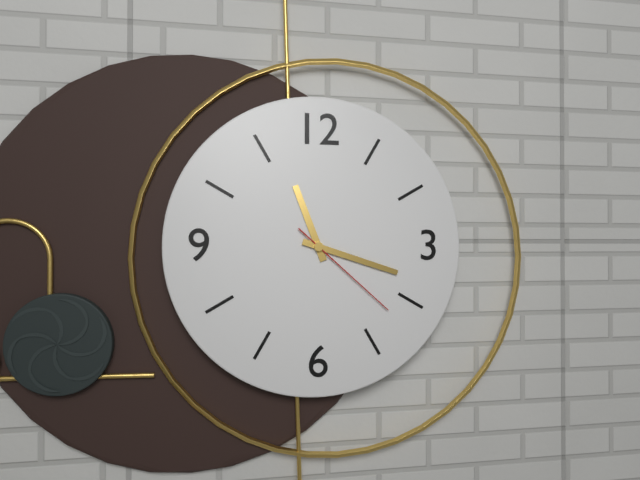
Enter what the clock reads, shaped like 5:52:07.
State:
11:18:22
